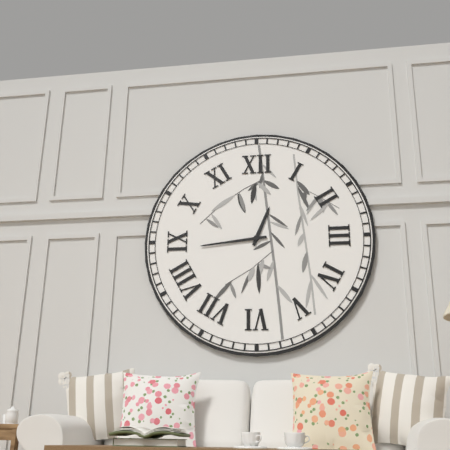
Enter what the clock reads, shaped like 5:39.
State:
12:44
